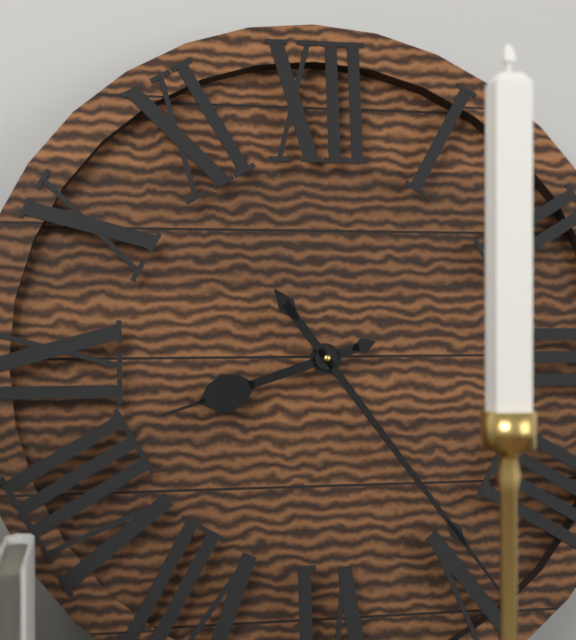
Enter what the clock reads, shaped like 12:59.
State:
8:24
